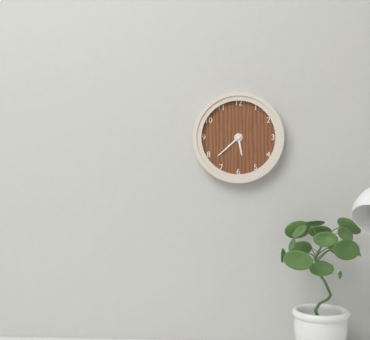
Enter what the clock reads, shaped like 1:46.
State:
5:38
